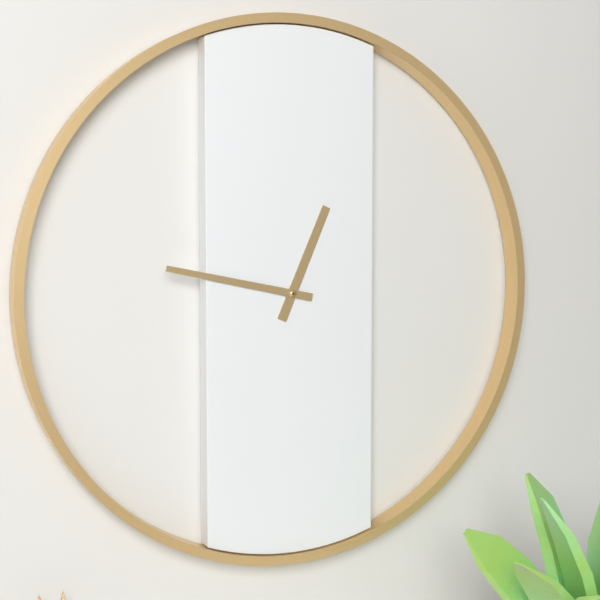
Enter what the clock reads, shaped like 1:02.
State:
12:47
